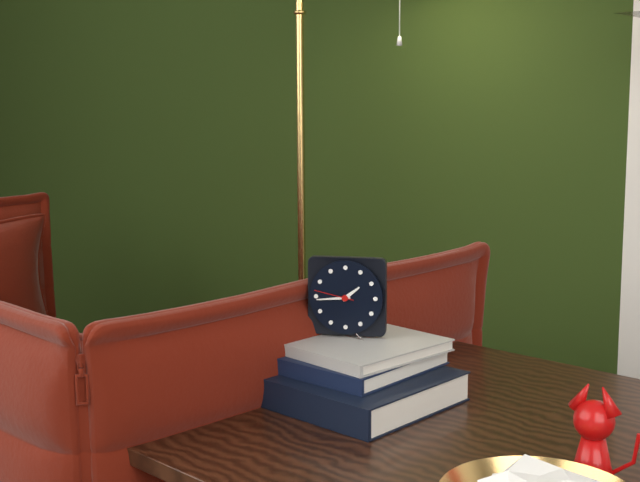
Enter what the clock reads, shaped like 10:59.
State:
1:44
